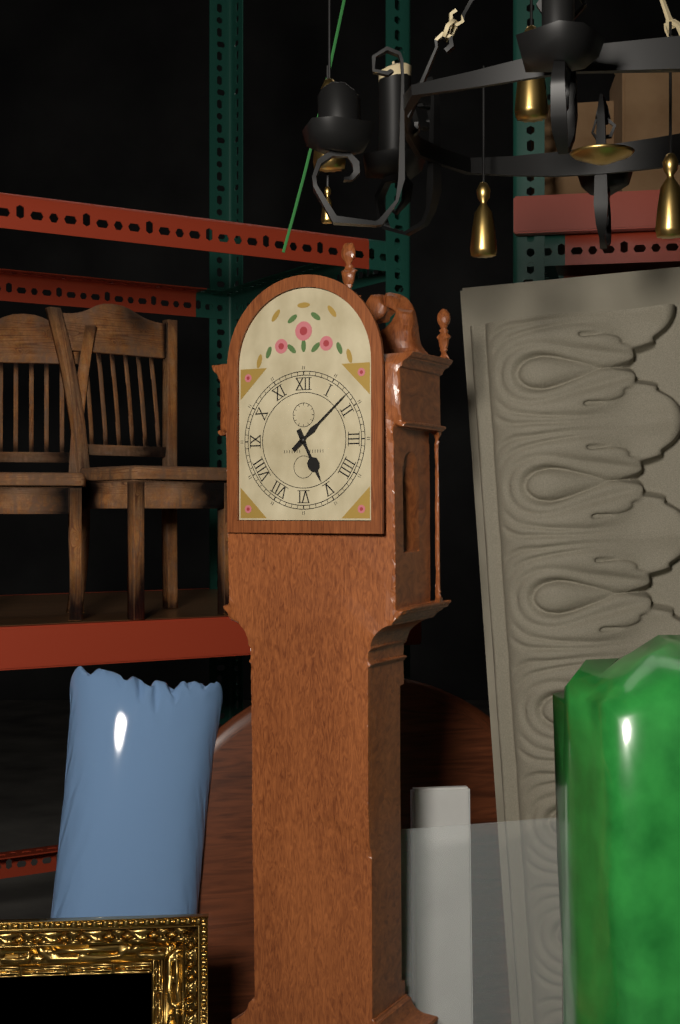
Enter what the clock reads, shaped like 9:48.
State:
5:08
